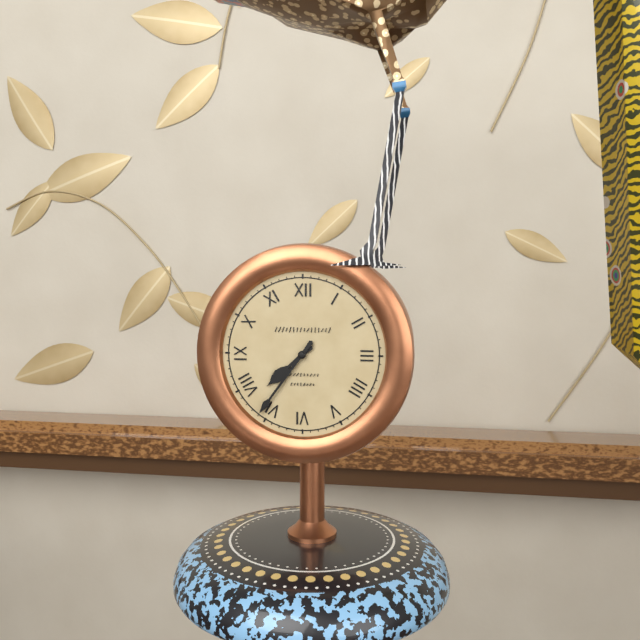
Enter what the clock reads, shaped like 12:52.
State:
7:36
